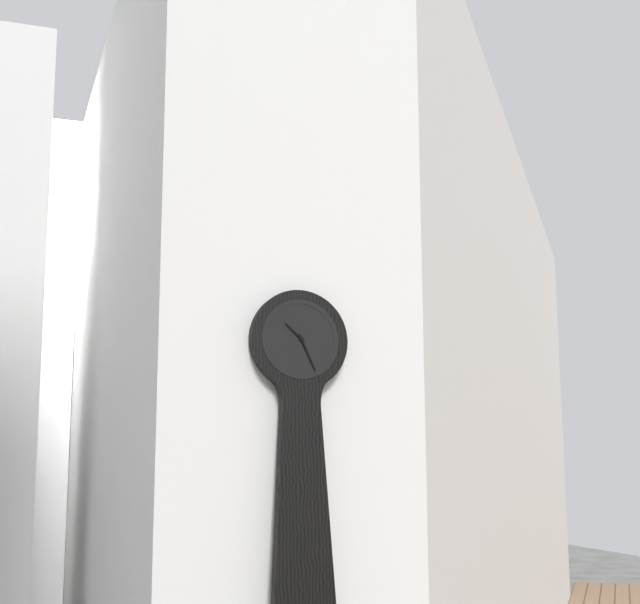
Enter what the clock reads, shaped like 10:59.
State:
10:26
